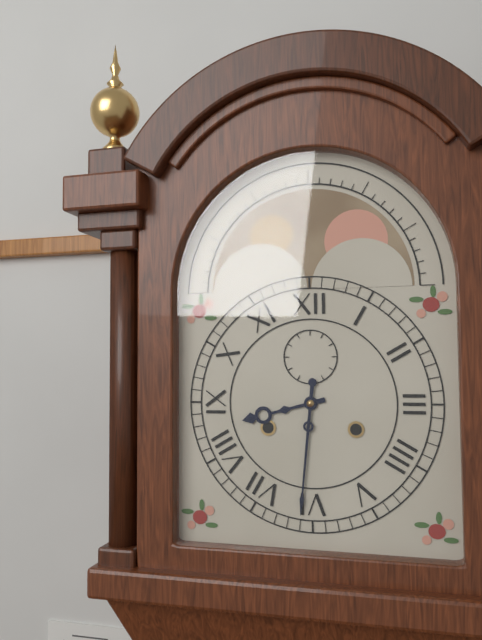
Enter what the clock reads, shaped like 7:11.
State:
8:31
